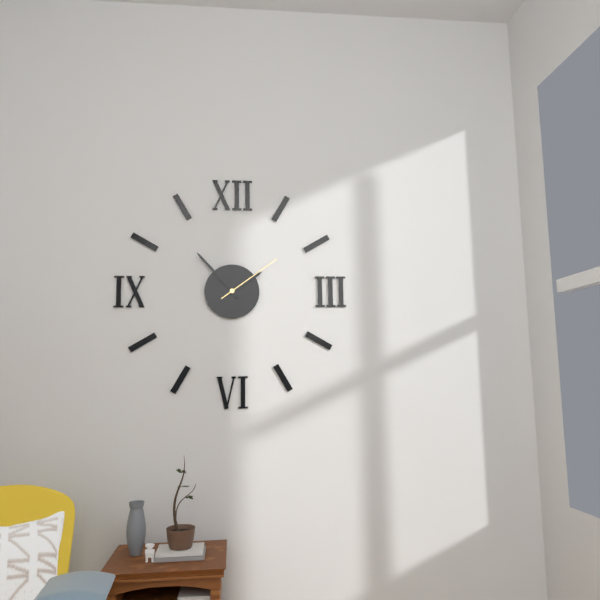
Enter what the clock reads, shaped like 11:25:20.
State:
1:53:09
